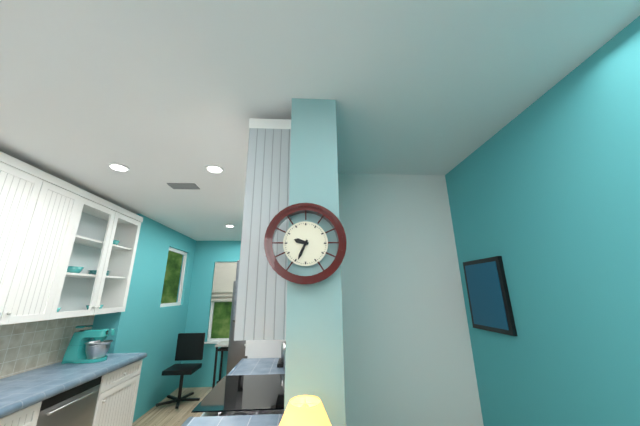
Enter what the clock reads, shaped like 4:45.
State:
9:34
